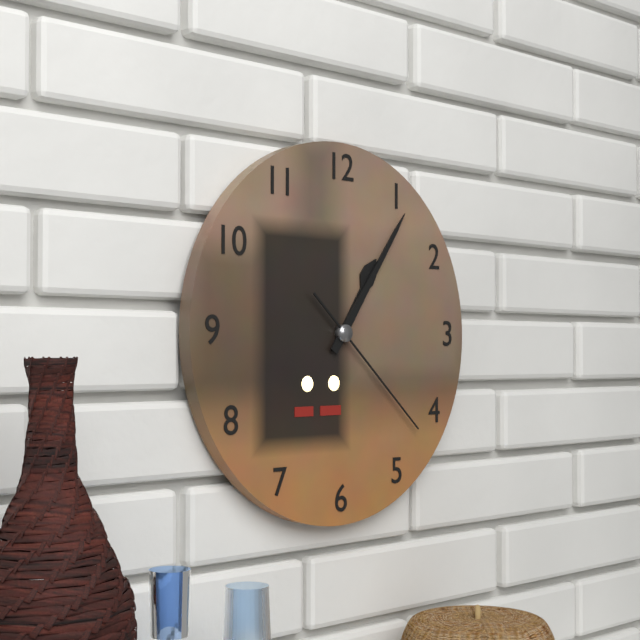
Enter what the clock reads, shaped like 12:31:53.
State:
1:06:22
